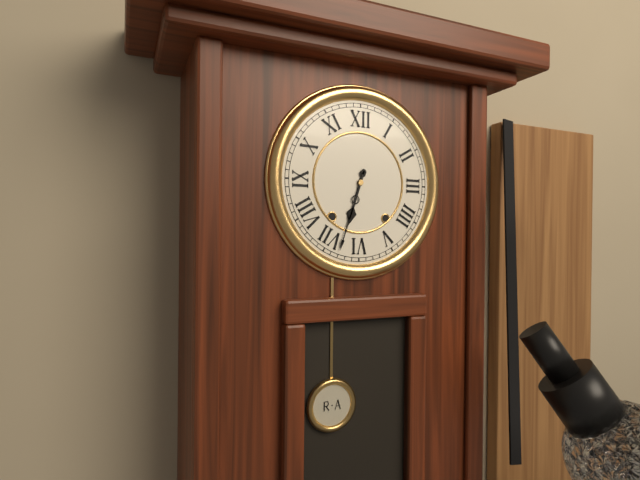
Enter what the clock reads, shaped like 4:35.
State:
6:33
